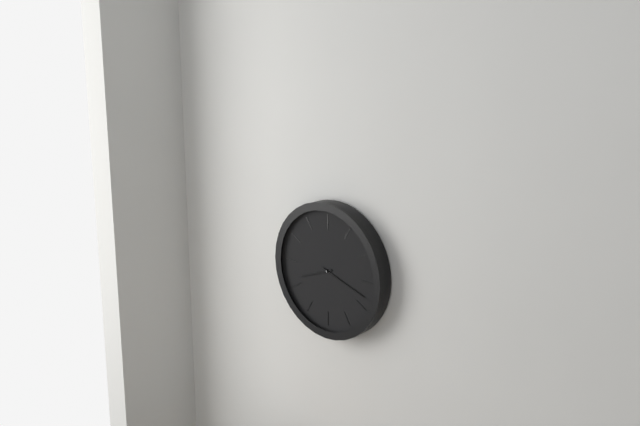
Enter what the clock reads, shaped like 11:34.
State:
8:18
